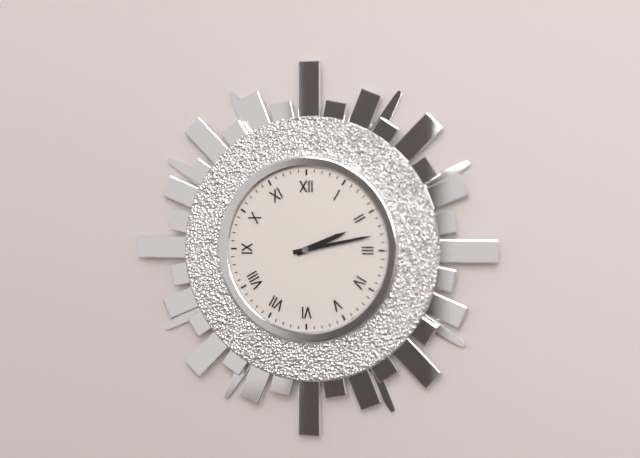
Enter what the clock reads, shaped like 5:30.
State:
2:13
